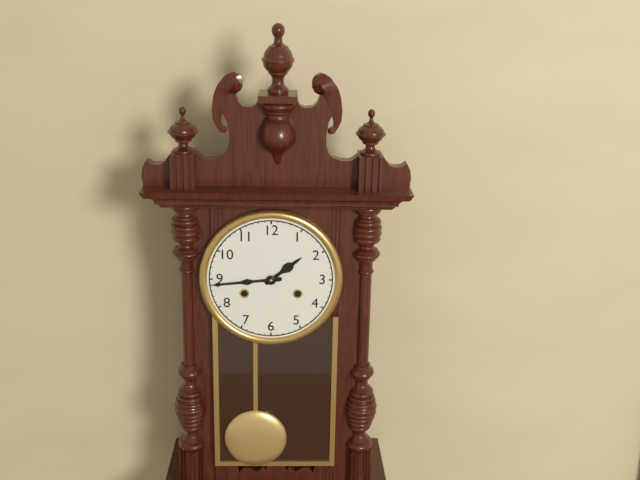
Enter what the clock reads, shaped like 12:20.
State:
1:44
